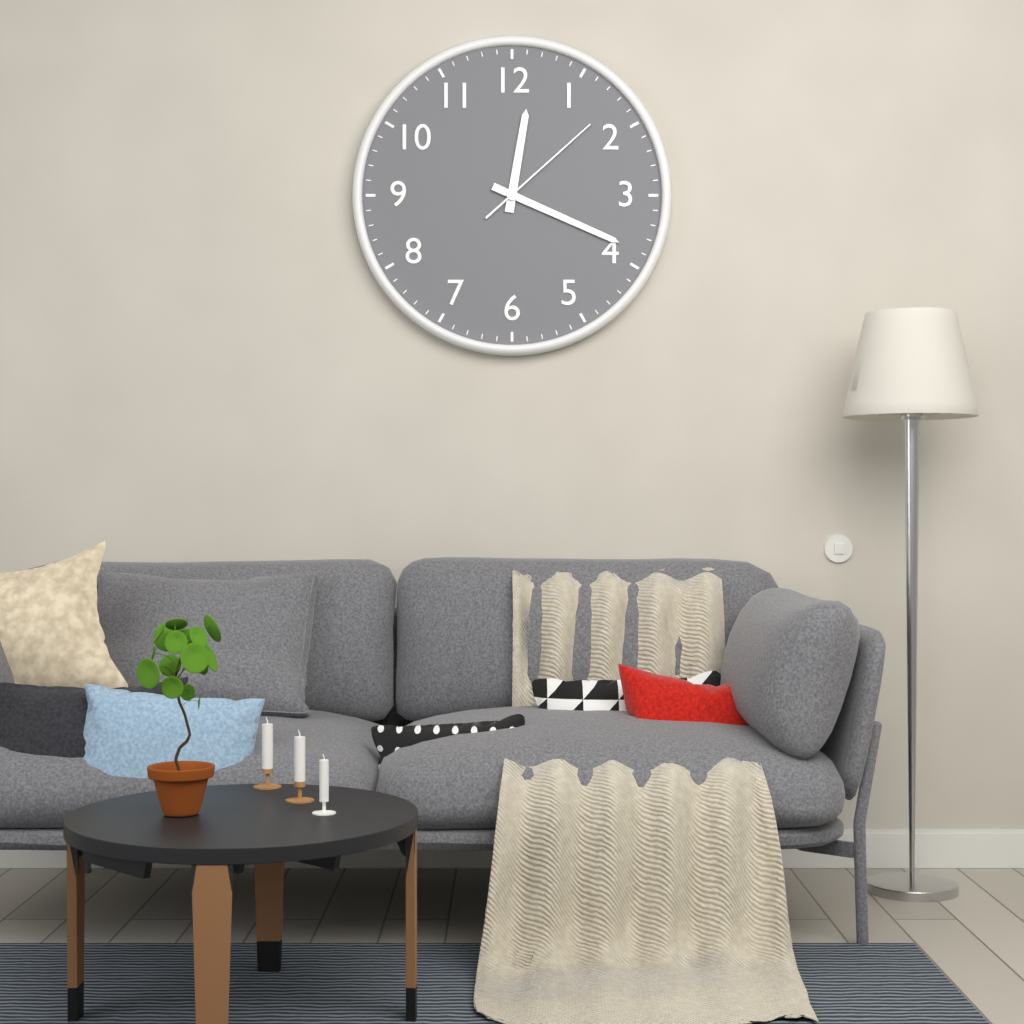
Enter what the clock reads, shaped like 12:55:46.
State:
12:19:08
